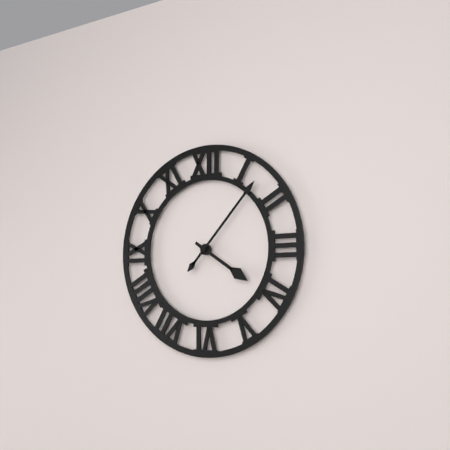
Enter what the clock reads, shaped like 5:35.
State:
4:07
